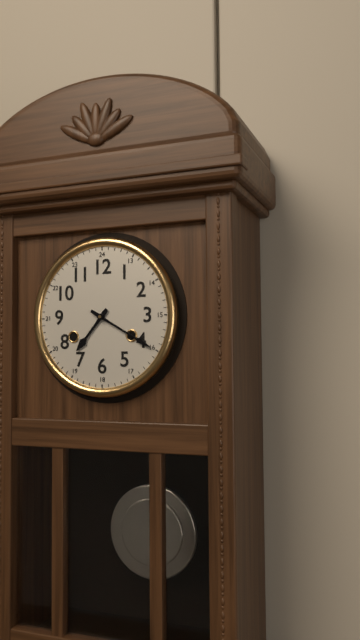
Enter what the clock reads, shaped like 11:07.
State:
7:20
